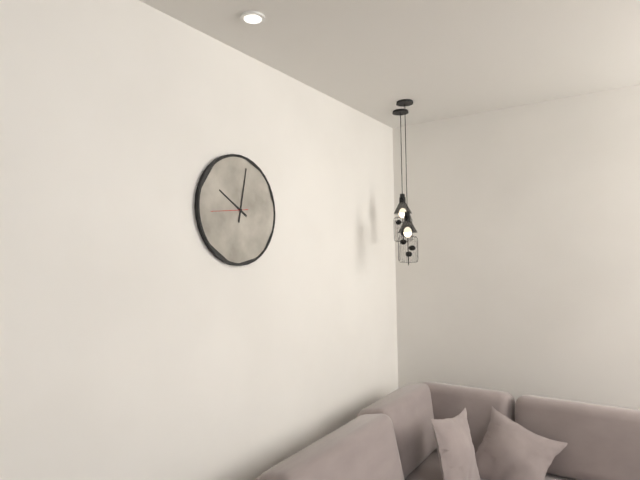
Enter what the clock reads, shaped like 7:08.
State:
10:02
